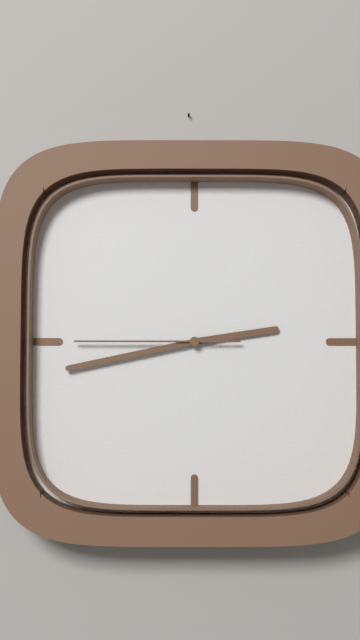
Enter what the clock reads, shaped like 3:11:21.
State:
2:43:45
